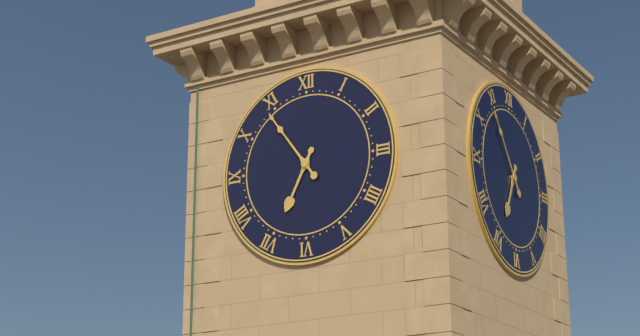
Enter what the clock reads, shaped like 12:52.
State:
6:54
